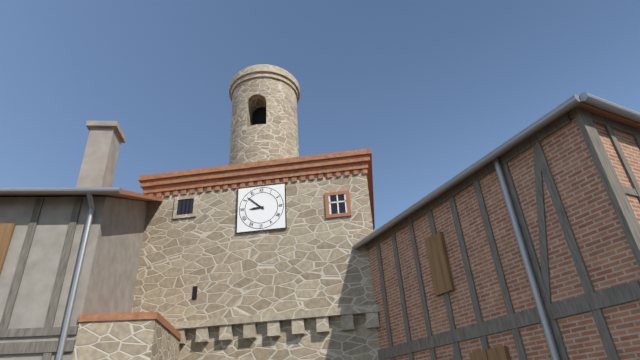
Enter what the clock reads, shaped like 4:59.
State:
8:52
